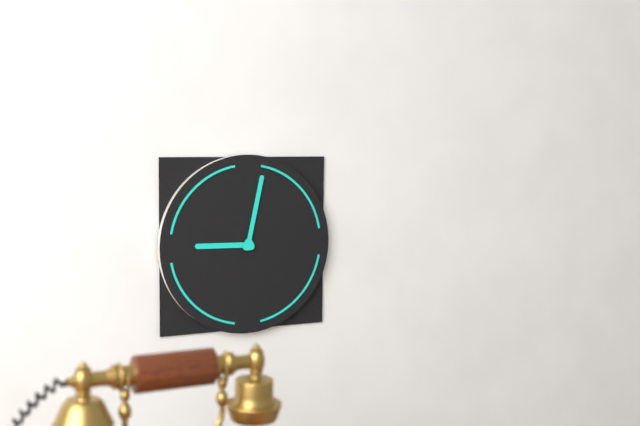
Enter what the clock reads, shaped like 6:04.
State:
9:02
